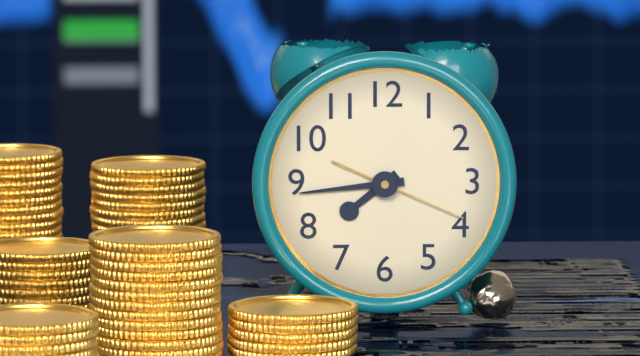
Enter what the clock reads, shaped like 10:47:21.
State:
7:44:19
